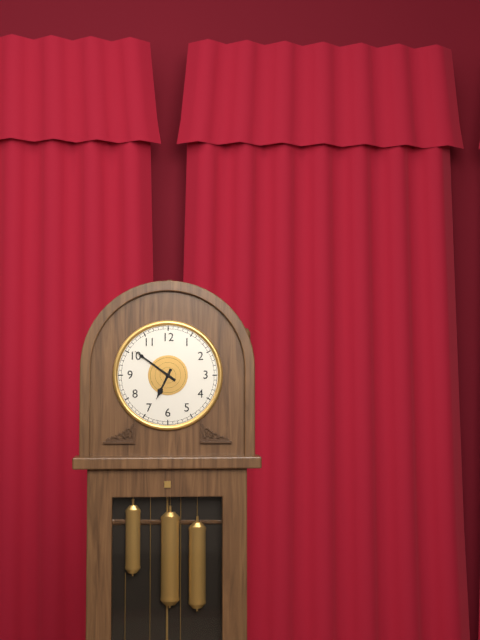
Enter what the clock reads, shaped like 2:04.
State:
6:51
